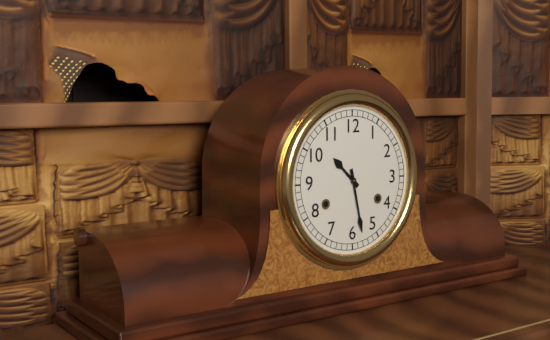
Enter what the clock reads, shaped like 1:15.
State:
10:28
